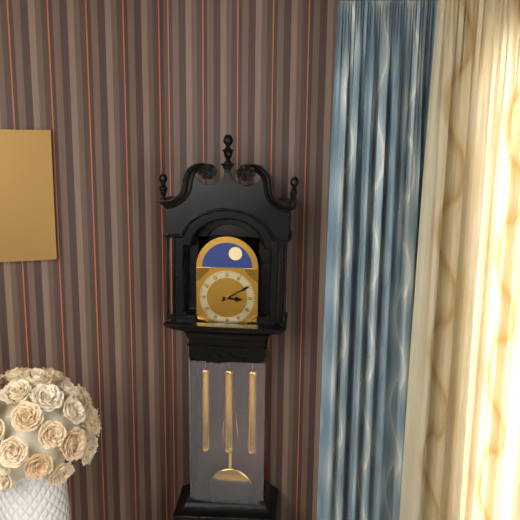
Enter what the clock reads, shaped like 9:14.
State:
3:10
